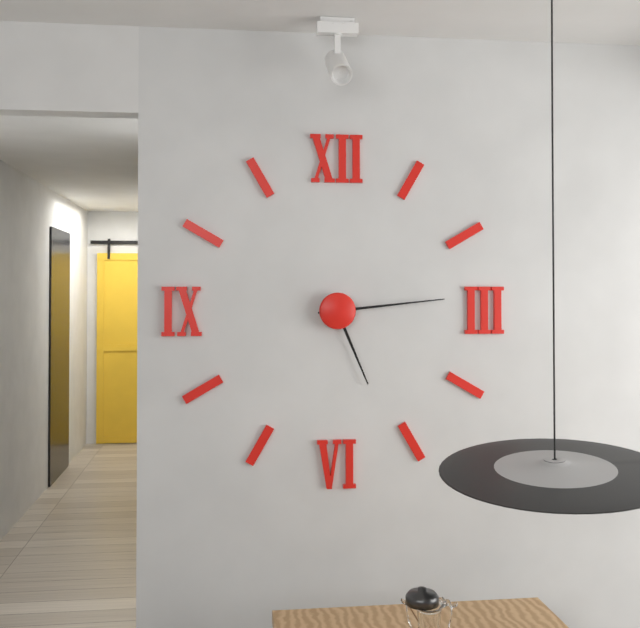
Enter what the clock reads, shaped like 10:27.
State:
5:14
